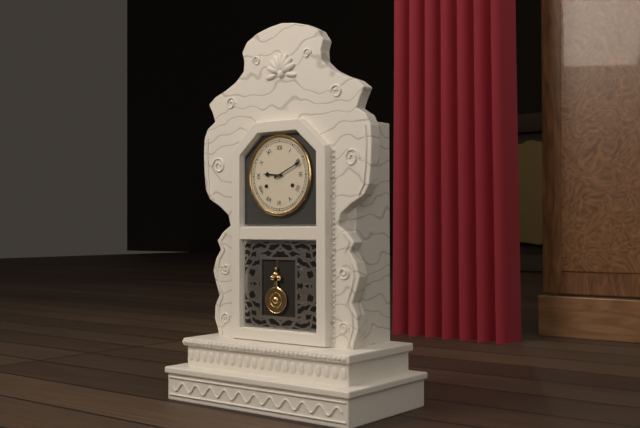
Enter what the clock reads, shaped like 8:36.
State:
9:11
